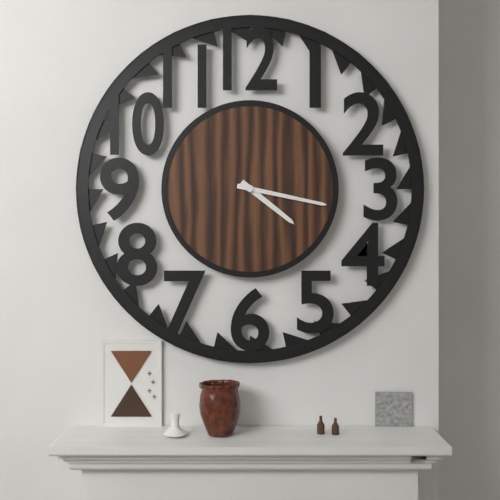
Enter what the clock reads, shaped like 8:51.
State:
4:17
